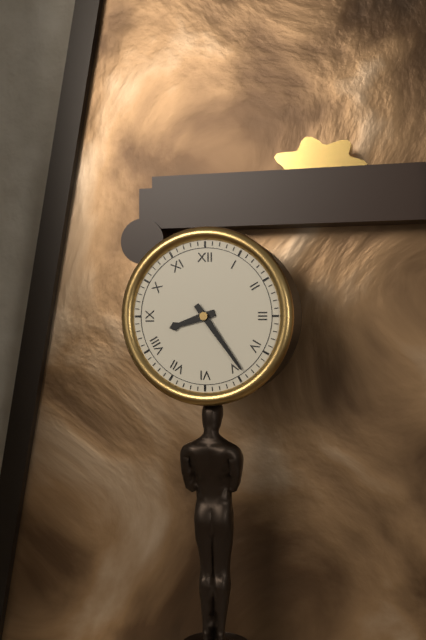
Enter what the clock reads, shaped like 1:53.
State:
8:24
